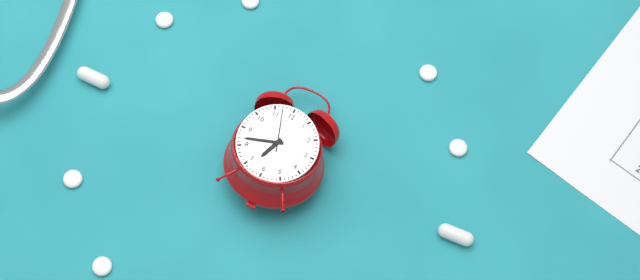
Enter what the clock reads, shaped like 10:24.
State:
6:42
